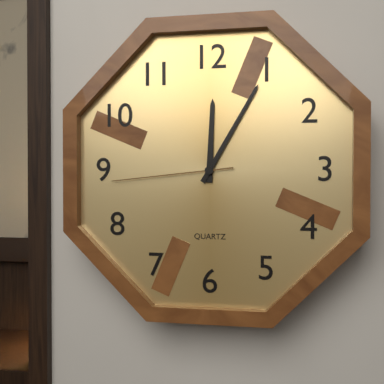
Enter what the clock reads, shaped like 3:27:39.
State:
12:05:44
